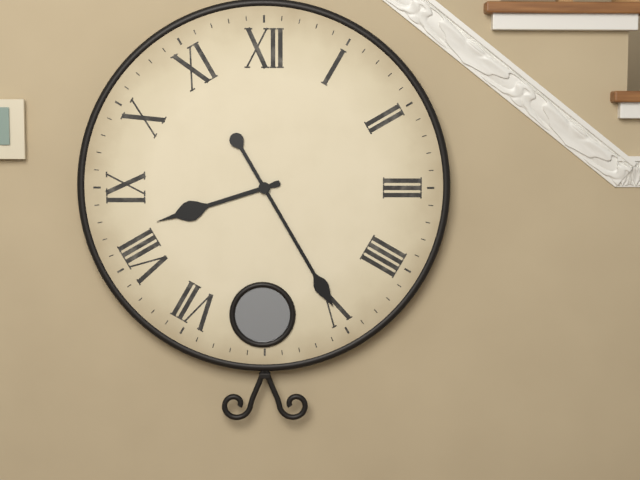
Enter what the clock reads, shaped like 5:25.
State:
8:25
